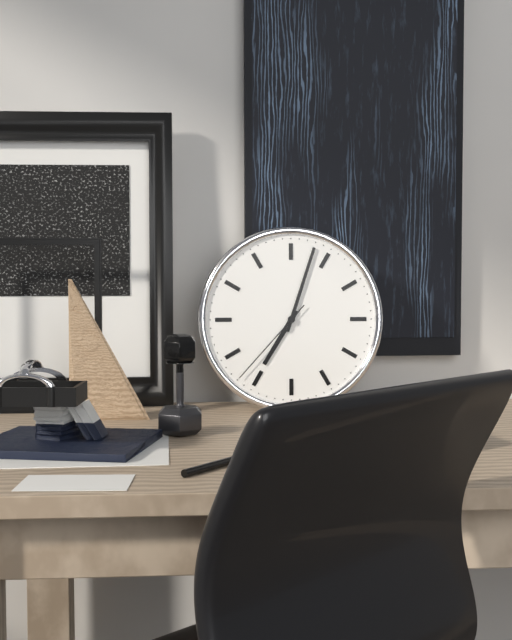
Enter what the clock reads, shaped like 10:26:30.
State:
7:03:37
